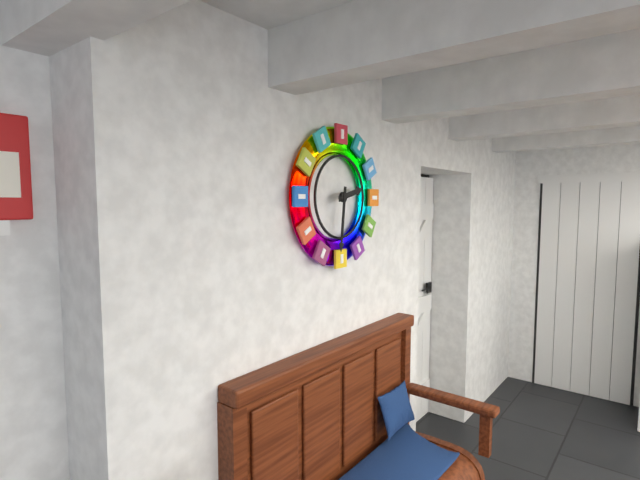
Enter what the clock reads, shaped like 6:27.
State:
2:31
